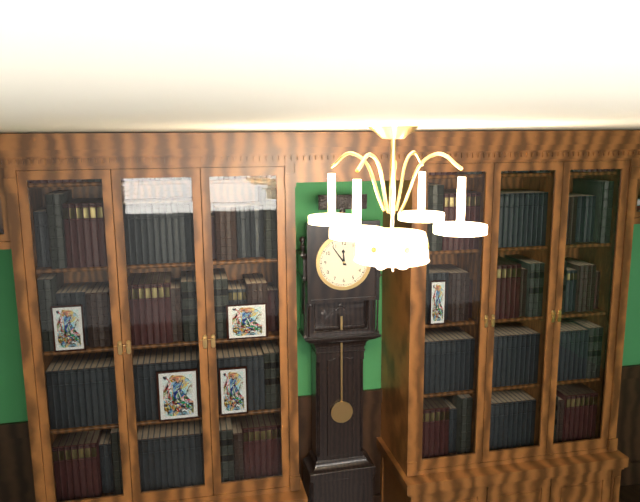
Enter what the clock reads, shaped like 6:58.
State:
11:54
